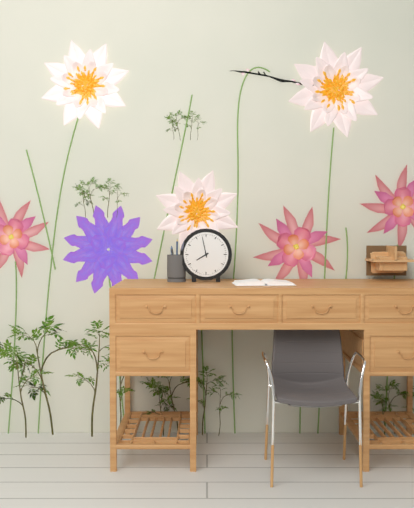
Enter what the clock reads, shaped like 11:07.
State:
7:58
